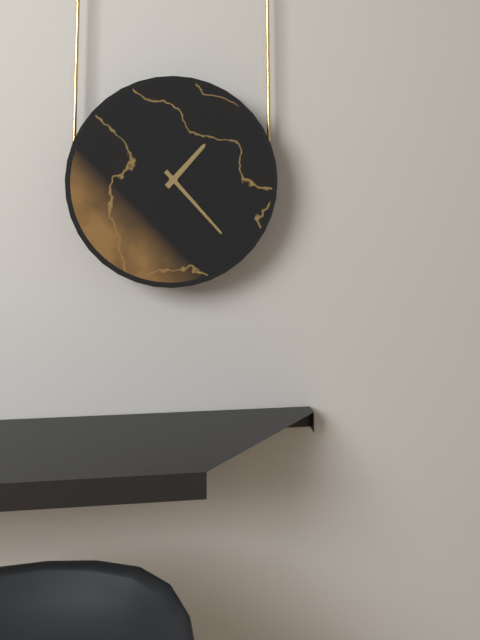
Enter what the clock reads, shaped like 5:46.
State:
1:23
